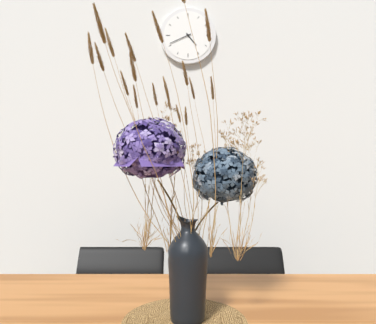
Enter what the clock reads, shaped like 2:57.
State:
4:41
